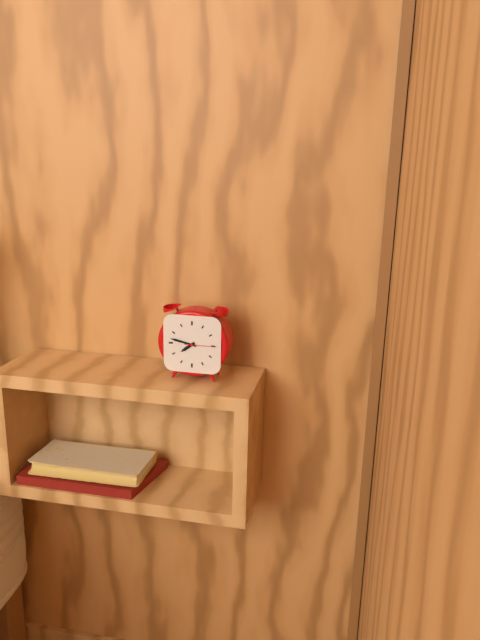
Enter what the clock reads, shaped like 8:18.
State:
7:47
